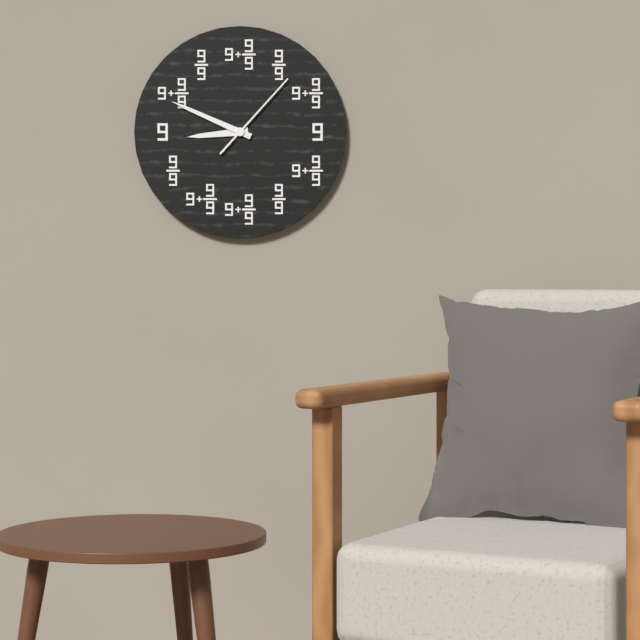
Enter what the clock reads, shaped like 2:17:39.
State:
8:49:07
